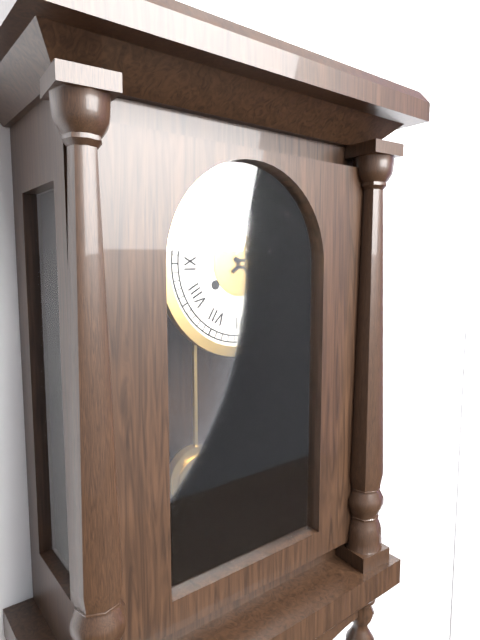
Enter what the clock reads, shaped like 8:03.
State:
4:09
